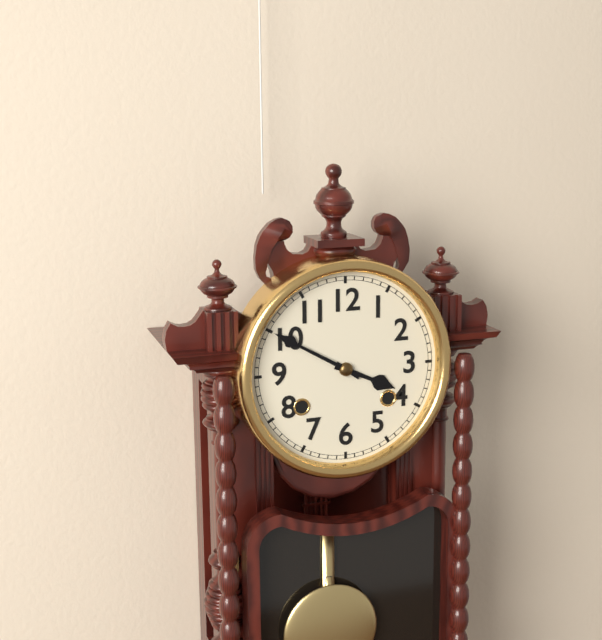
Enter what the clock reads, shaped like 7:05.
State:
3:50
